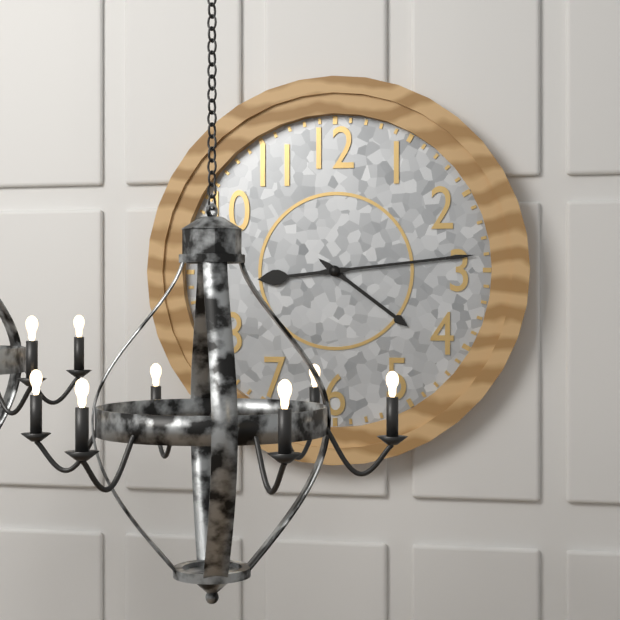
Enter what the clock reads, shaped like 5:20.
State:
4:14
